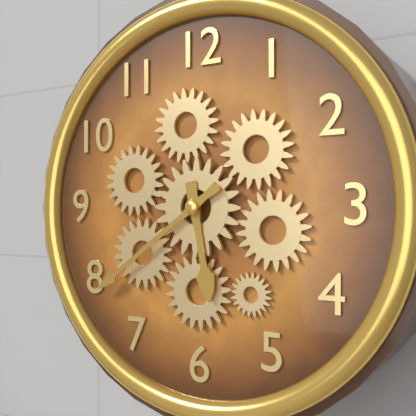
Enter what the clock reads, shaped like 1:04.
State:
5:39
